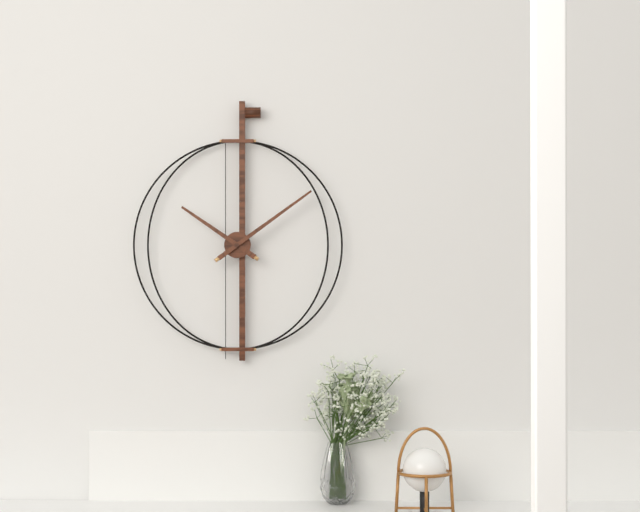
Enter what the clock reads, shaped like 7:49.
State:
10:09
